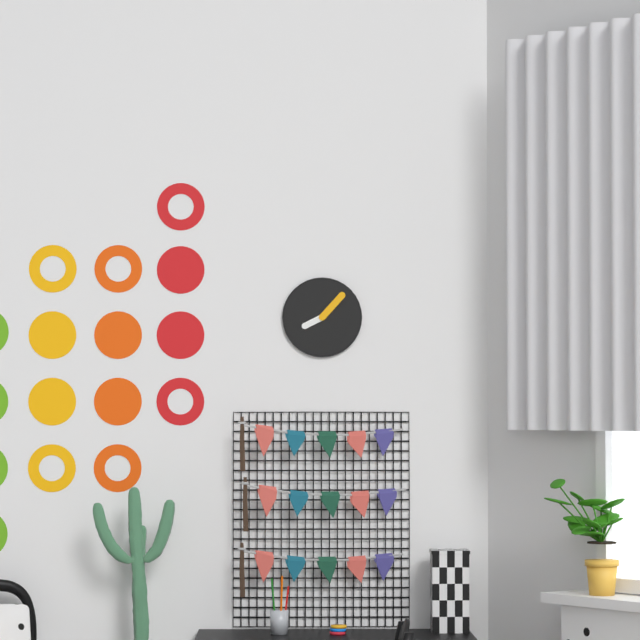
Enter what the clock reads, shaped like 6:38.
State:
8:07
